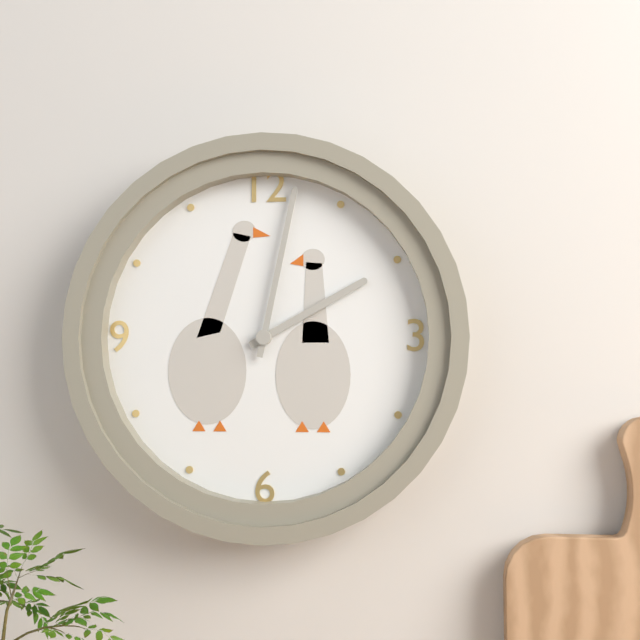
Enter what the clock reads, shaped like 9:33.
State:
2:02
